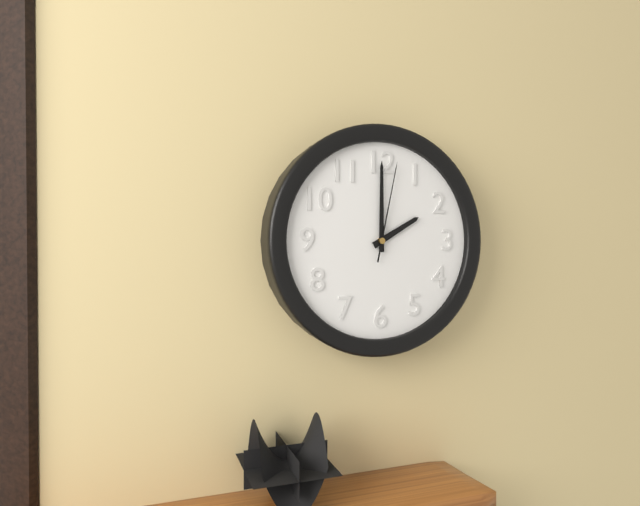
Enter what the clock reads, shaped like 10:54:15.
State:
2:00:02
